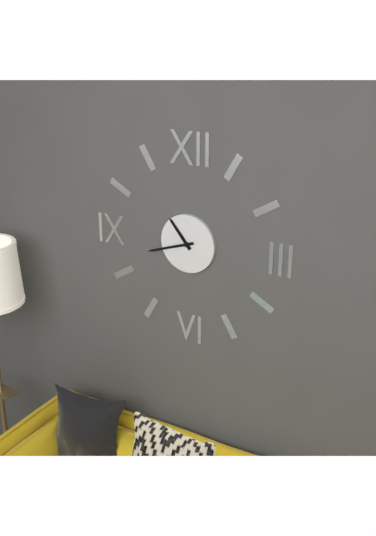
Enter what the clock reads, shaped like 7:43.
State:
10:42
